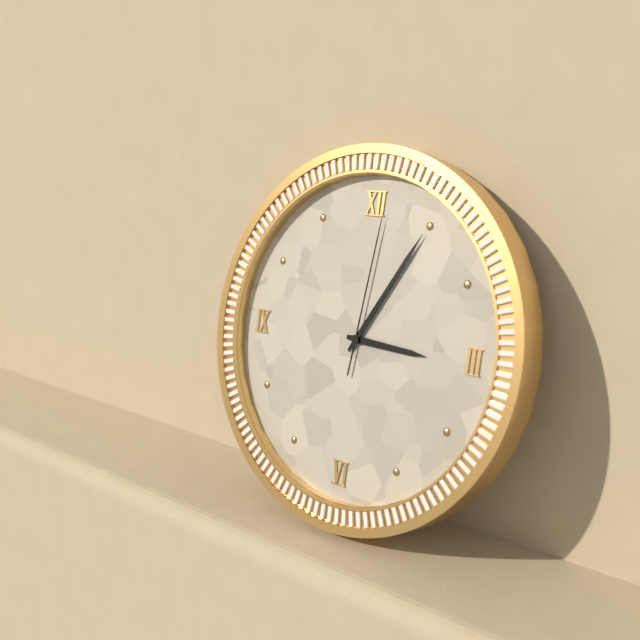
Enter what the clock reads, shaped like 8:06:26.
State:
3:05:01
